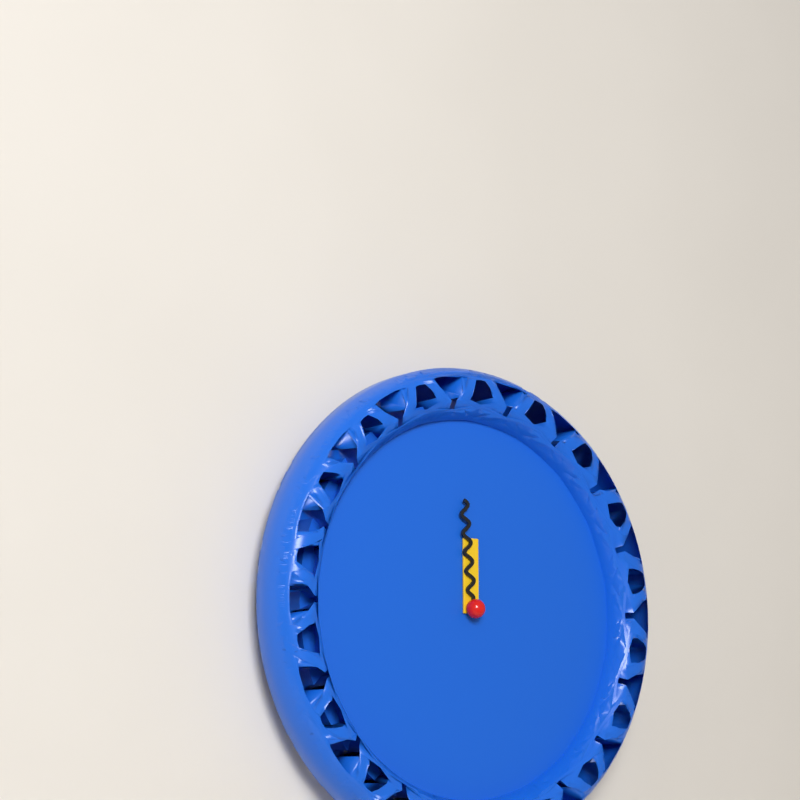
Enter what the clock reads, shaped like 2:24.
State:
11:59
